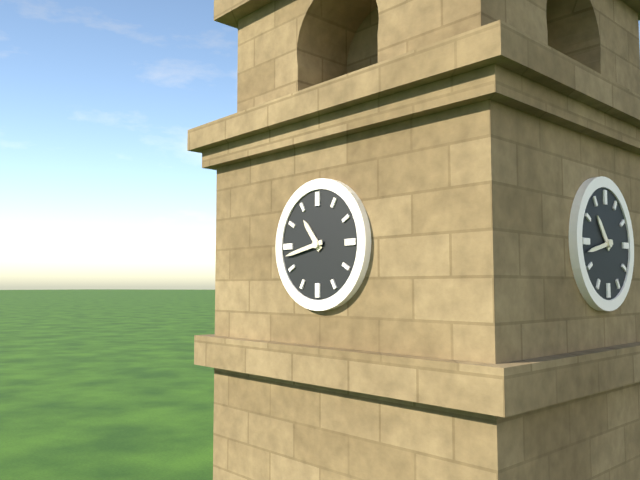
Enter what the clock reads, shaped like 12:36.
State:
10:43
